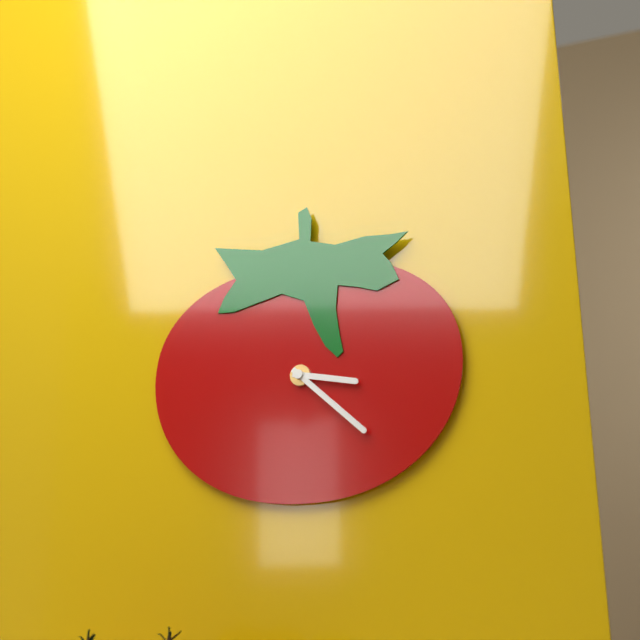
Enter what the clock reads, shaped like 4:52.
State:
3:22
